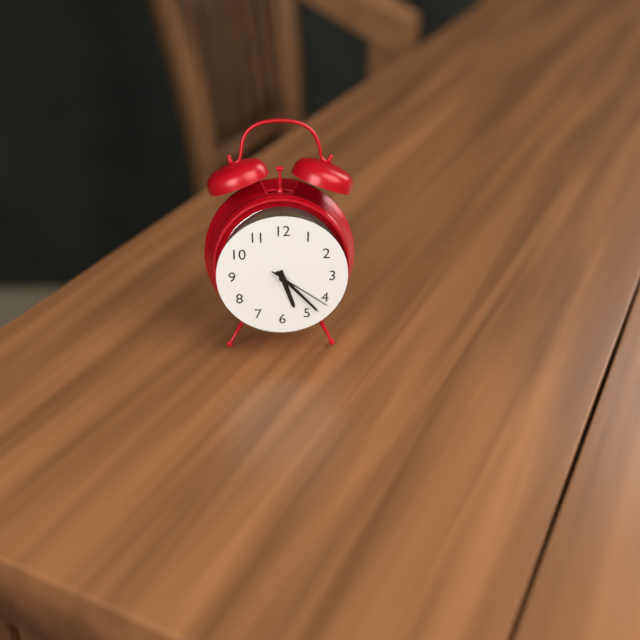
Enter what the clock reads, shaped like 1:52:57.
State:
5:23:21
